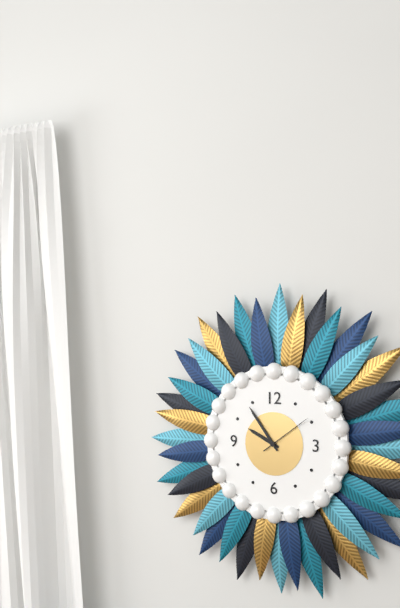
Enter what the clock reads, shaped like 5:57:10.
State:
9:54:09
